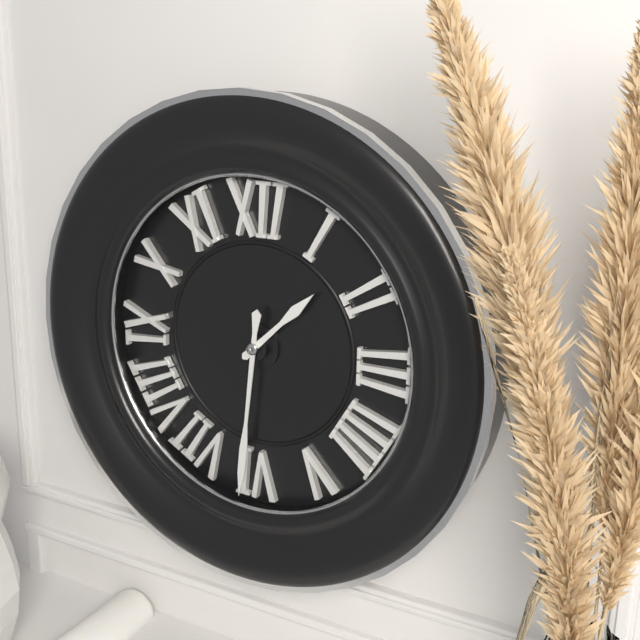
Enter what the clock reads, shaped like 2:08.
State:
1:31
